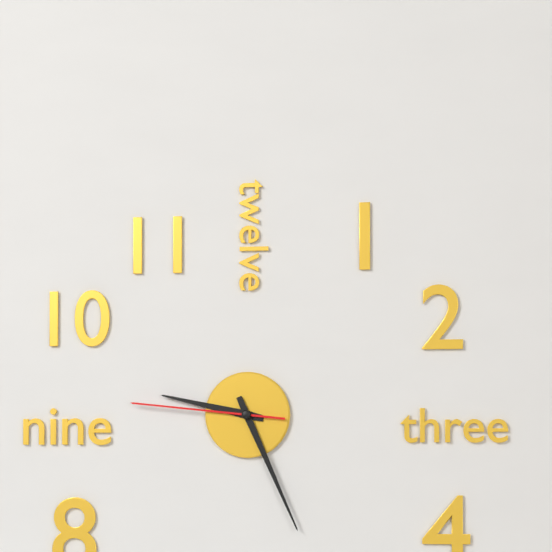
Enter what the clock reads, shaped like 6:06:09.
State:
9:26:46
